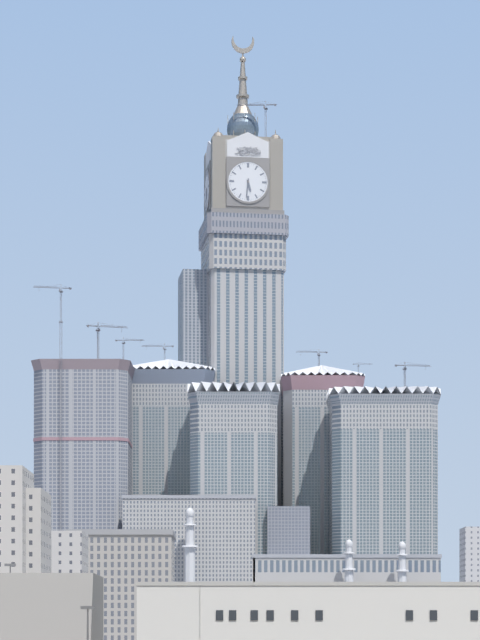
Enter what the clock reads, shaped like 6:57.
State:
5:31
